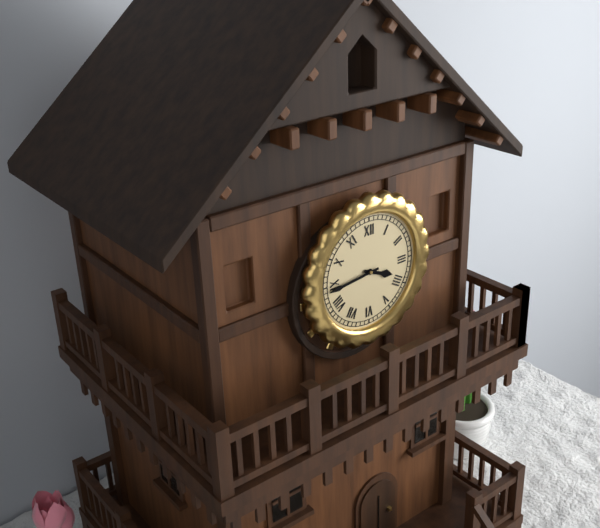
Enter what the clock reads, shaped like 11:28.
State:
3:44
